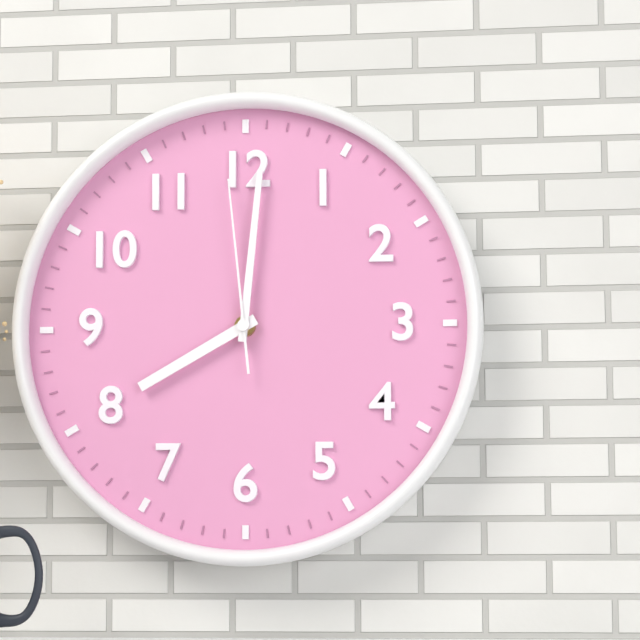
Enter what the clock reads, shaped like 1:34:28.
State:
8:01:59
